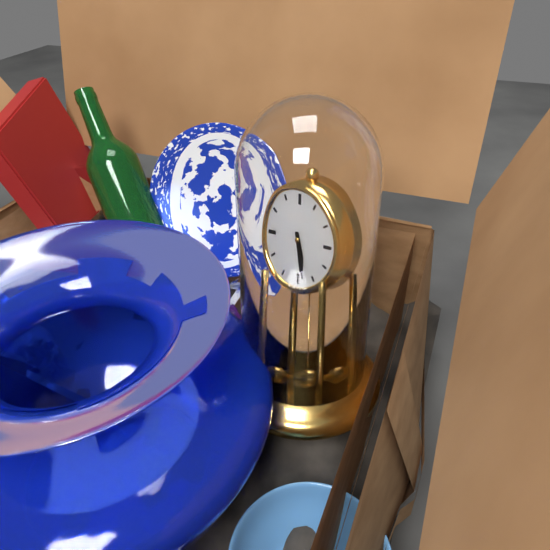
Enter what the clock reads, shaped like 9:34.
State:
5:28
